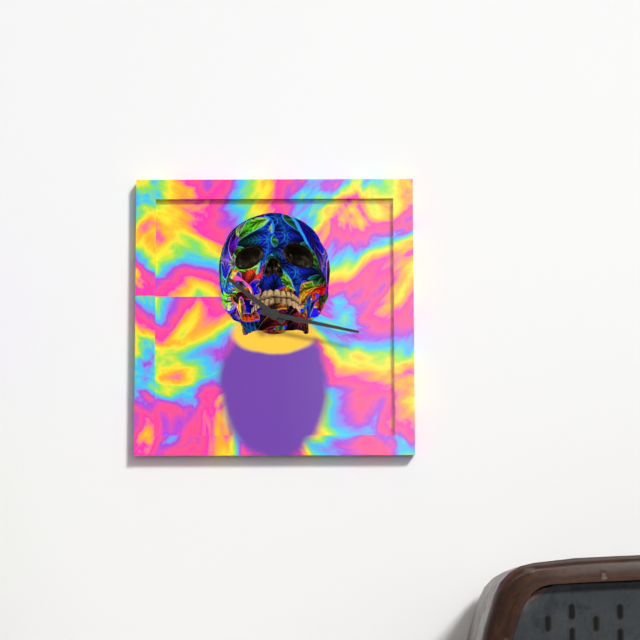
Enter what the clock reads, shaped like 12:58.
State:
10:17
